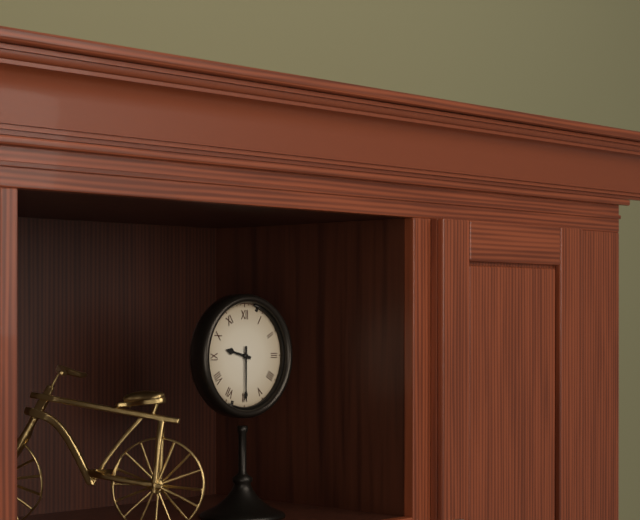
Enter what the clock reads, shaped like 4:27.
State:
9:30
